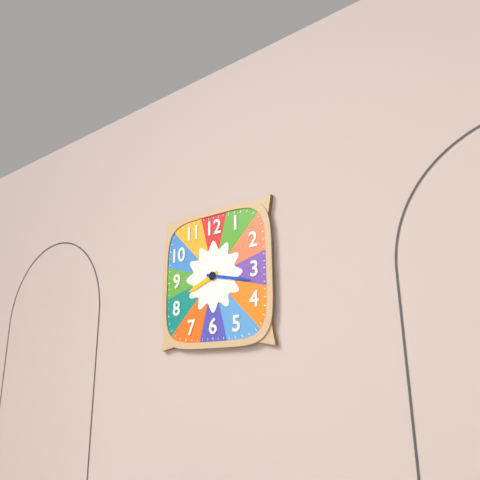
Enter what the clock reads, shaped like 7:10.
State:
8:17
